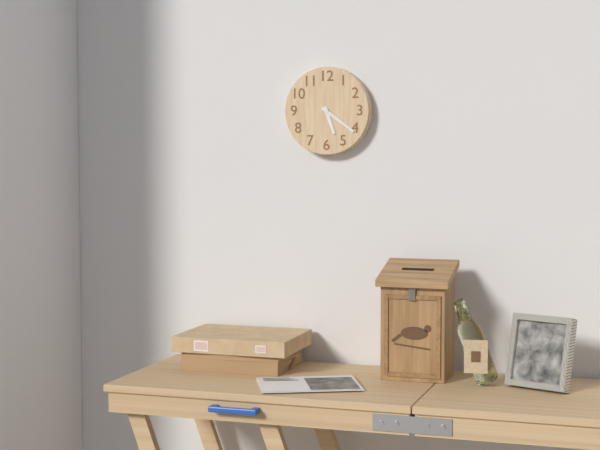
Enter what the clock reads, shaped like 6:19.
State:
5:21
